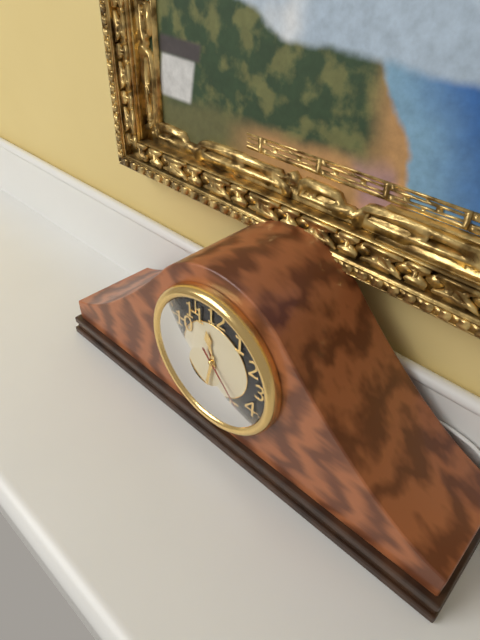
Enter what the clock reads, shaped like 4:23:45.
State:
11:32:23
